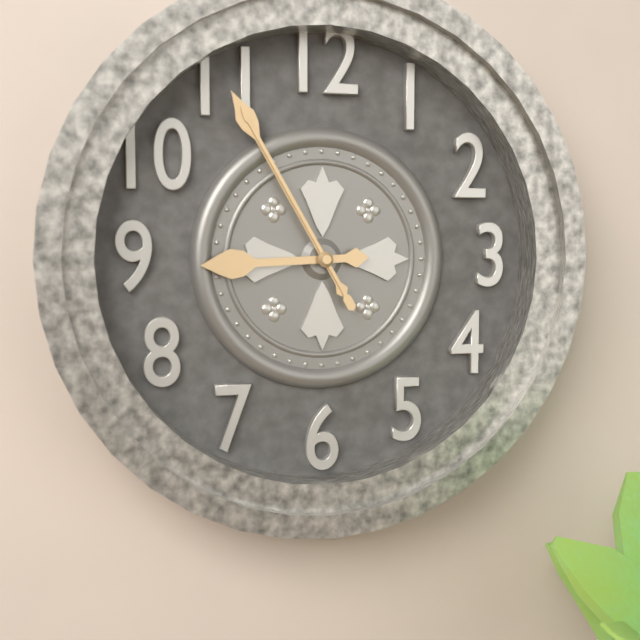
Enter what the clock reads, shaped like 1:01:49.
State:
8:55:55
